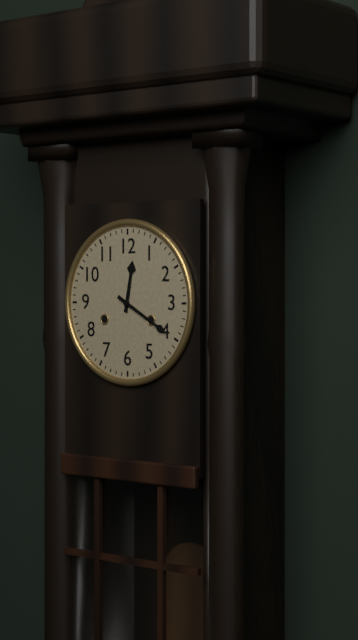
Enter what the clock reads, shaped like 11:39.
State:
12:20
